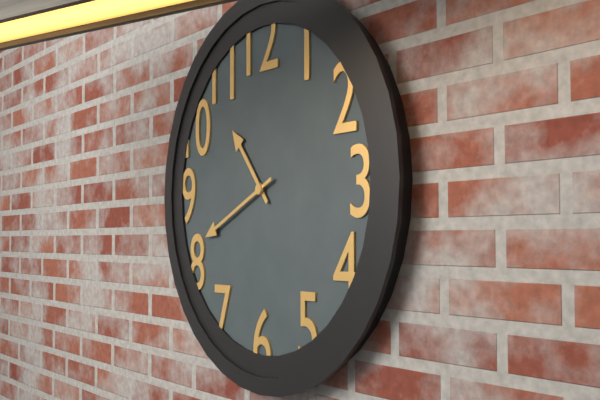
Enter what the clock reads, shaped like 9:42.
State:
10:41
